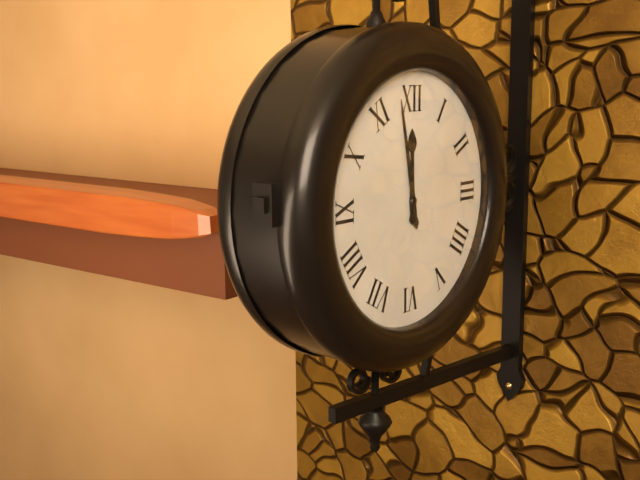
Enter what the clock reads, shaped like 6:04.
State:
11:58
